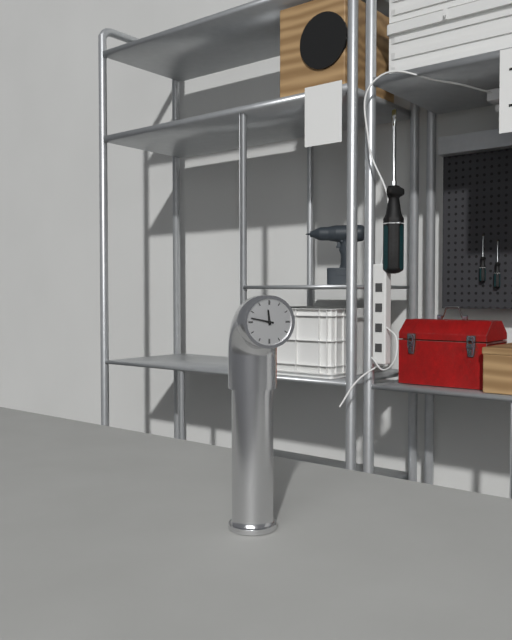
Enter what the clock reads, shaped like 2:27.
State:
11:47
